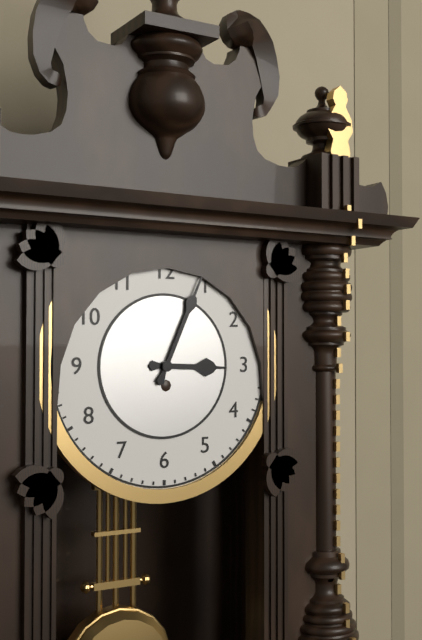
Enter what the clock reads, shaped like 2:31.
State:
3:04
